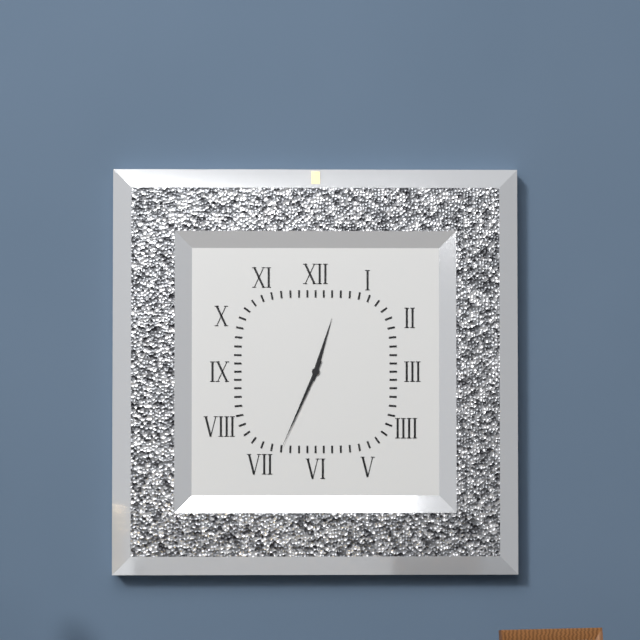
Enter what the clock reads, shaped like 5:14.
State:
12:34
